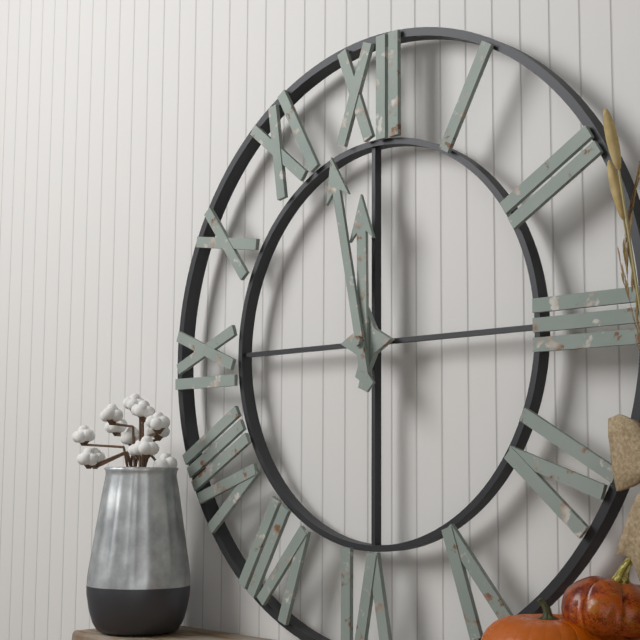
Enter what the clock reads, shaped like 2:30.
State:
11:58
